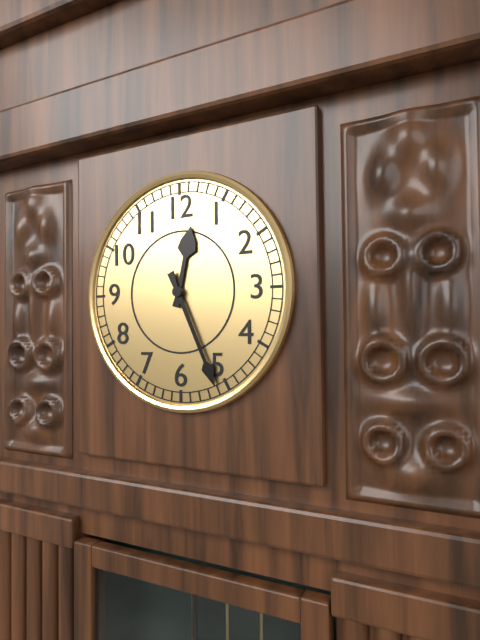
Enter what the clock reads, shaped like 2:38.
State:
12:26
